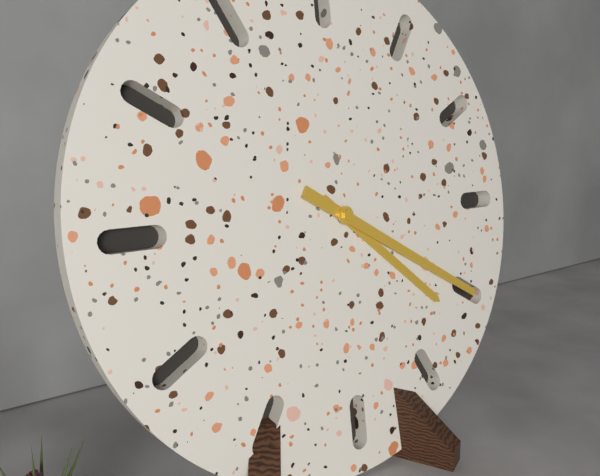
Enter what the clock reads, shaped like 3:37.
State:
4:20
